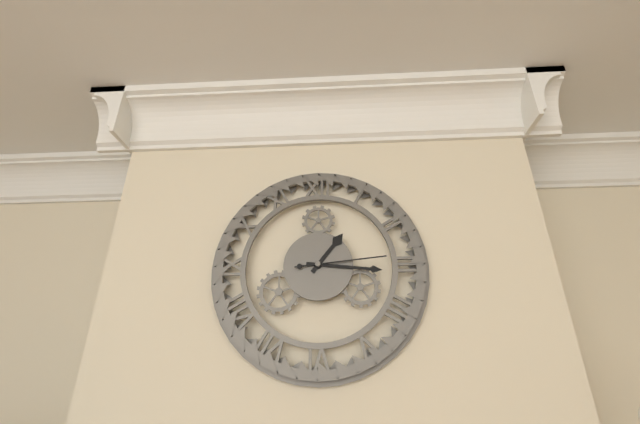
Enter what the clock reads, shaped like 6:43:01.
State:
1:16:14
